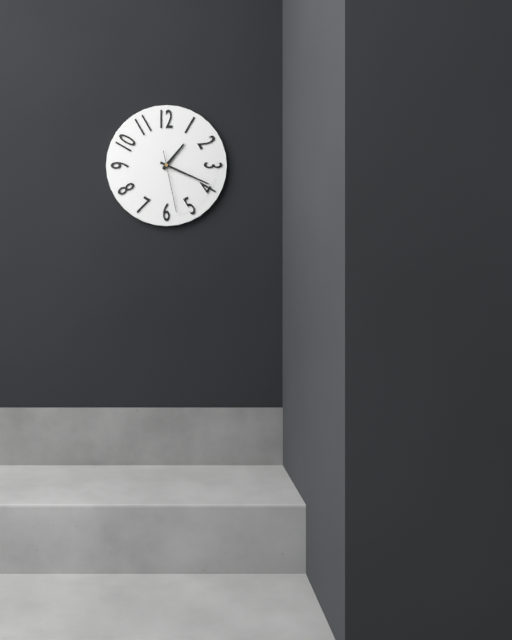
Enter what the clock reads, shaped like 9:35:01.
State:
1:19:28
